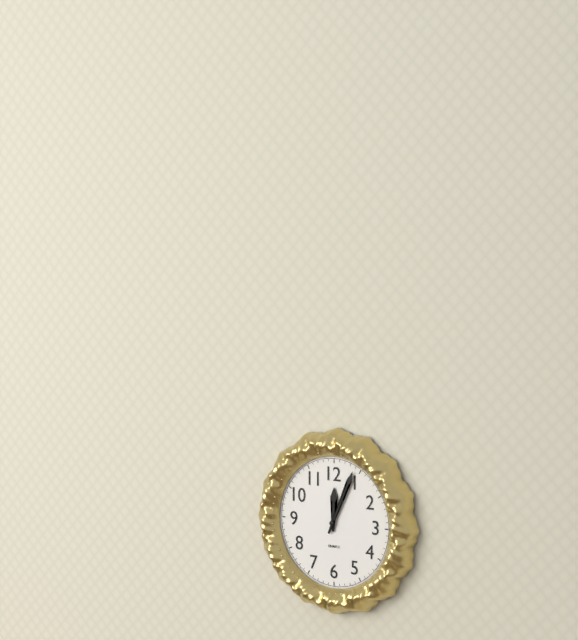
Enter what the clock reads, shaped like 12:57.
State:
12:04
